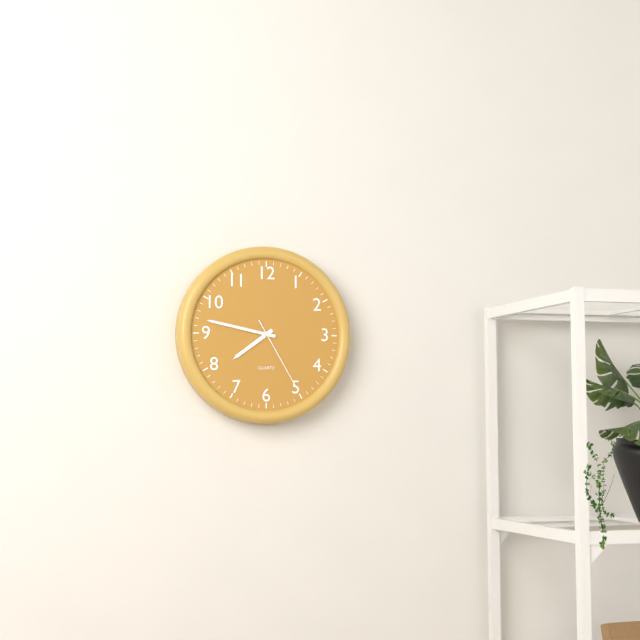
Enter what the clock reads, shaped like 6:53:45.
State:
7:47:25
